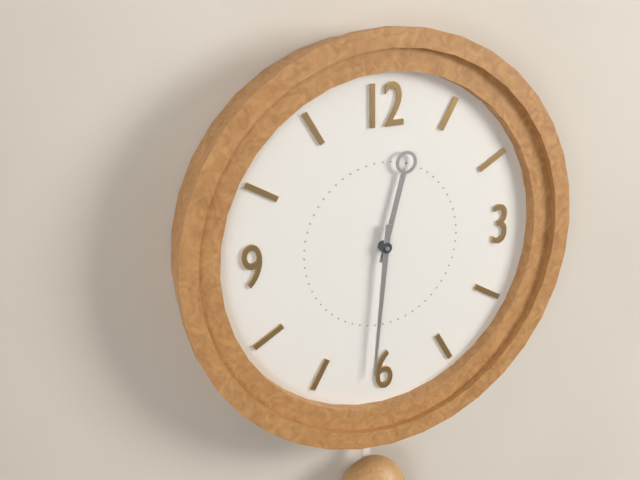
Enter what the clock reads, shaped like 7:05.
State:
12:31
